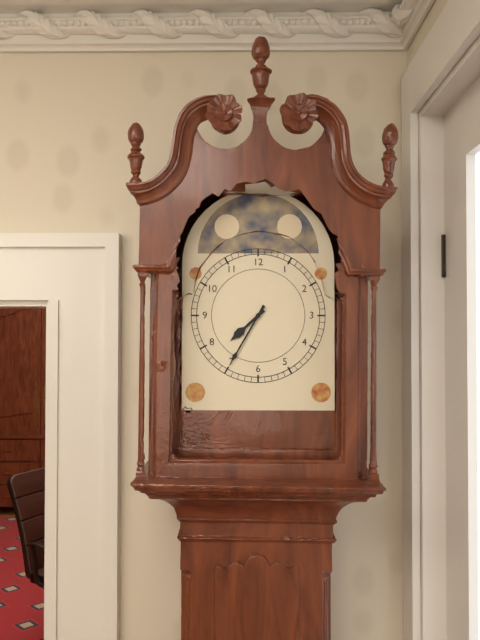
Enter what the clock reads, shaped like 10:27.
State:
7:35
